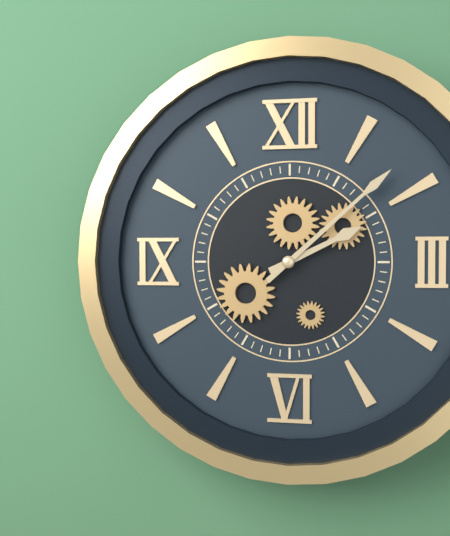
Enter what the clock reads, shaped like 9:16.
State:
2:08
